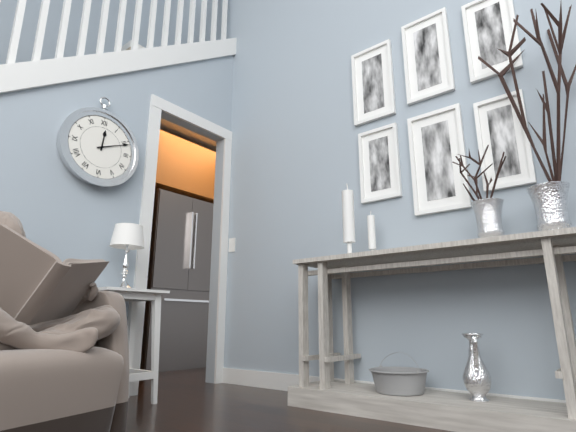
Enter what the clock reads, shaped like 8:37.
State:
12:11
